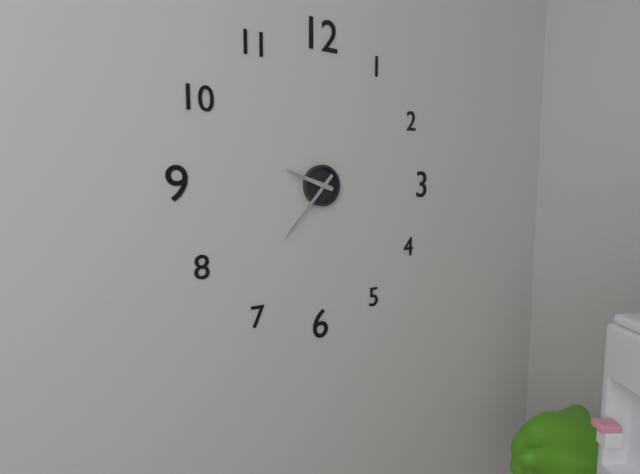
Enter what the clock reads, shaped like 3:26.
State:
9:37
